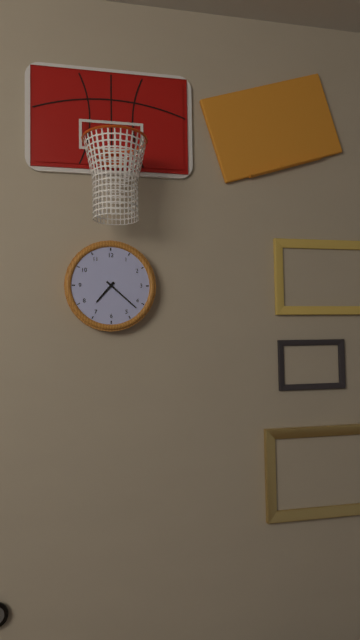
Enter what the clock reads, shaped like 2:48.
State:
7:22
